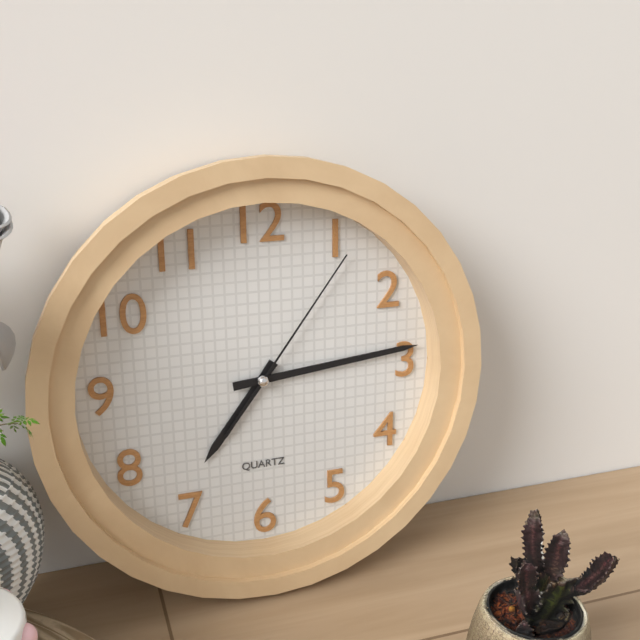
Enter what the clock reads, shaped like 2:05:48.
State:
7:14:06
